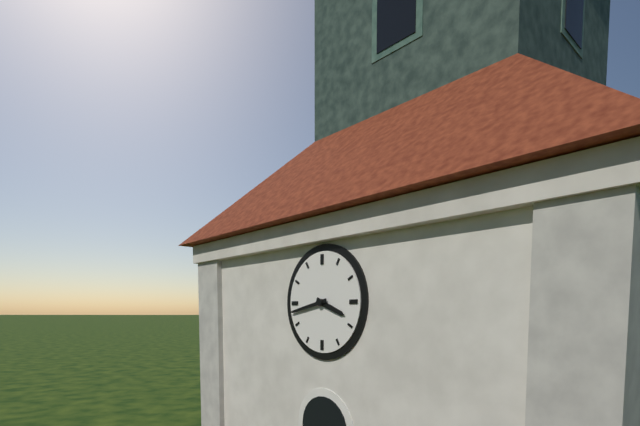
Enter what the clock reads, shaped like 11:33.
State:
3:43
